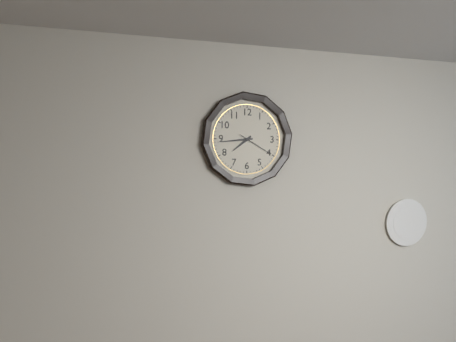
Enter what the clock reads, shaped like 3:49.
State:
7:44
